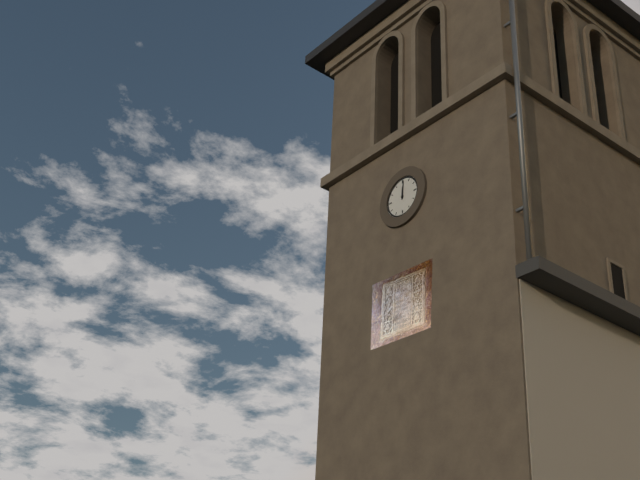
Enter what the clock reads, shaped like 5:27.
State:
12:01
